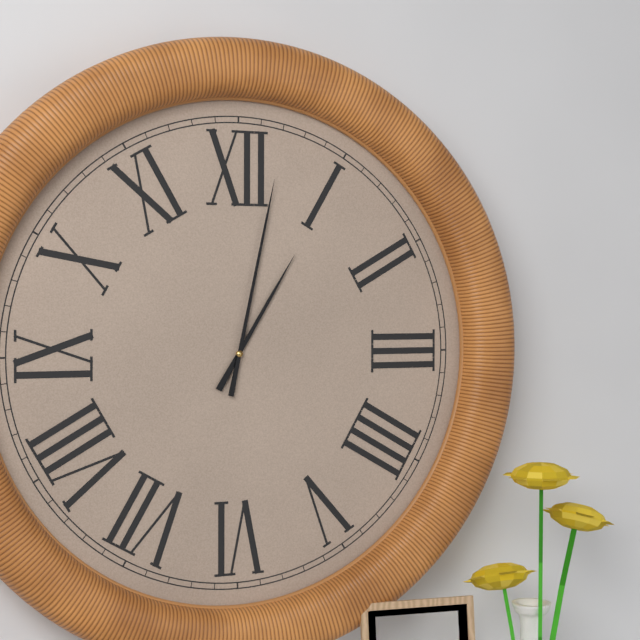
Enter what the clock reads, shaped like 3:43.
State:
1:02
